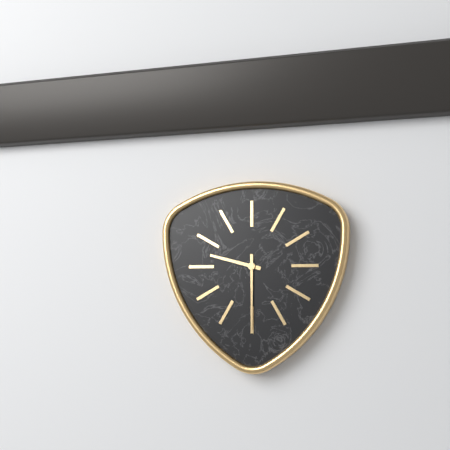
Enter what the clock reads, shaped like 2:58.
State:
9:30
